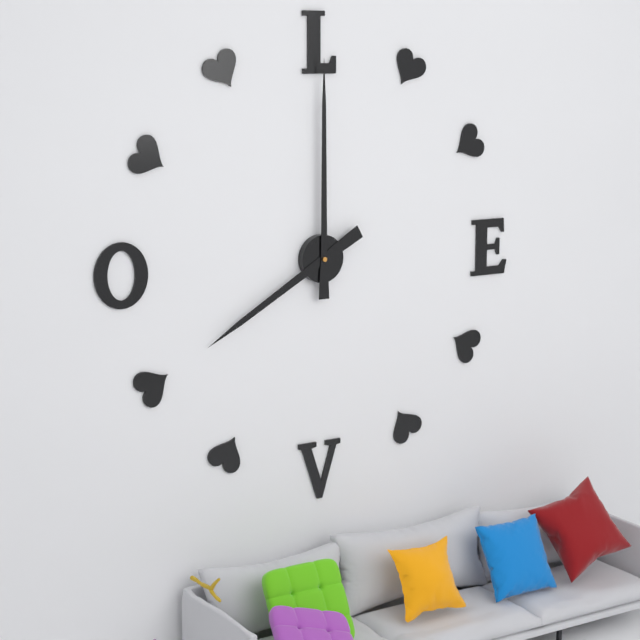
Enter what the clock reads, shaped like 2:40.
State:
8:00
